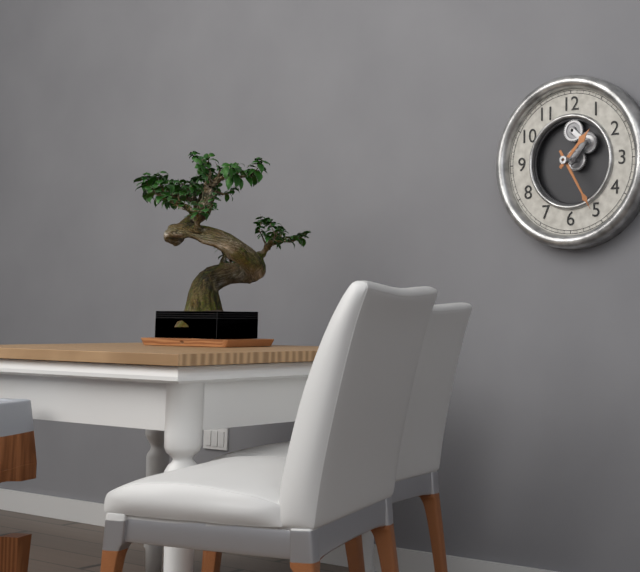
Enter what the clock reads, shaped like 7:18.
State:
1:25
